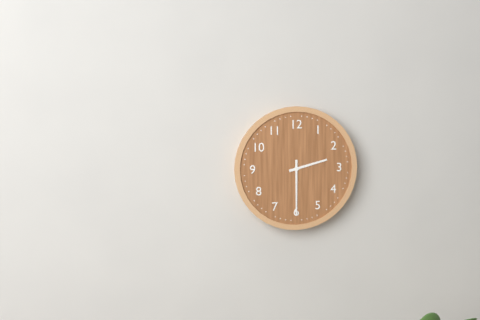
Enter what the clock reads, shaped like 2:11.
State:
2:30
